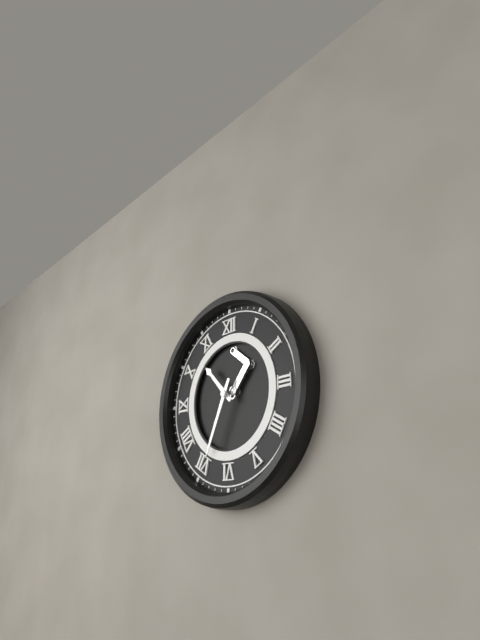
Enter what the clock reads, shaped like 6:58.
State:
10:34
